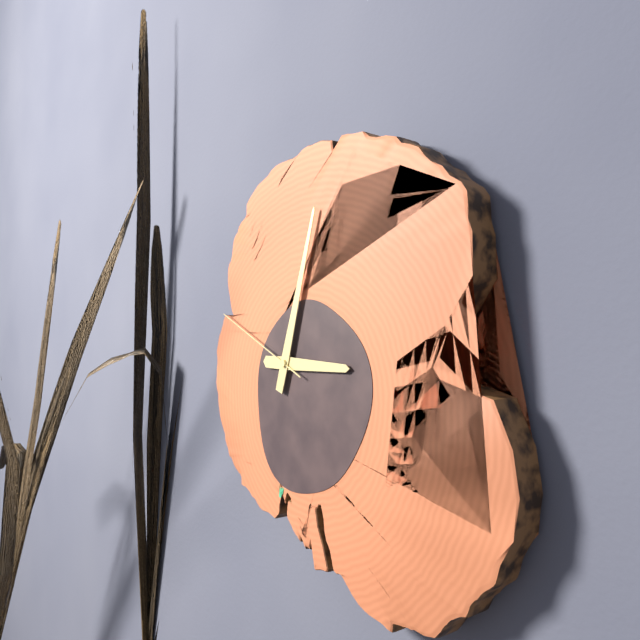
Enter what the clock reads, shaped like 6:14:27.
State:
3:03:49
